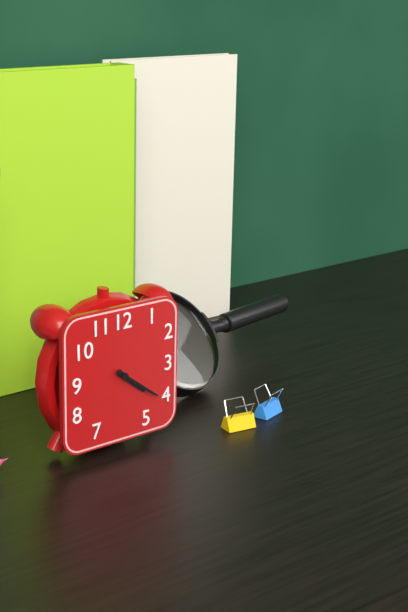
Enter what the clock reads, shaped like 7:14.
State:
4:21
